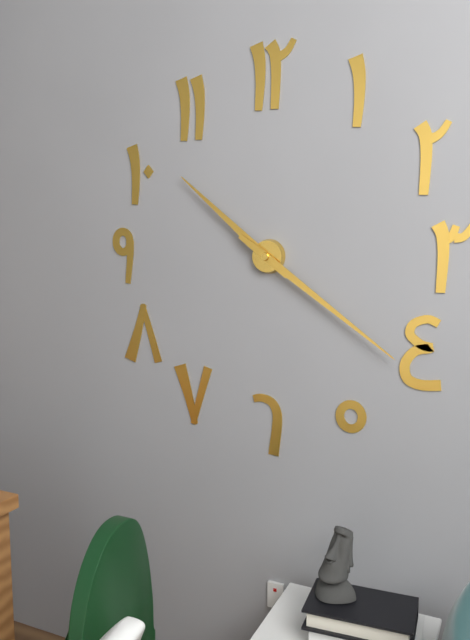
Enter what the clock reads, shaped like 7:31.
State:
10:21
